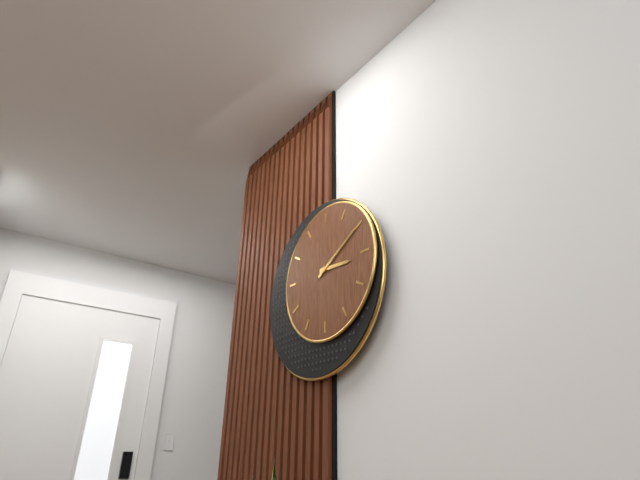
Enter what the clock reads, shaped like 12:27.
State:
3:10
